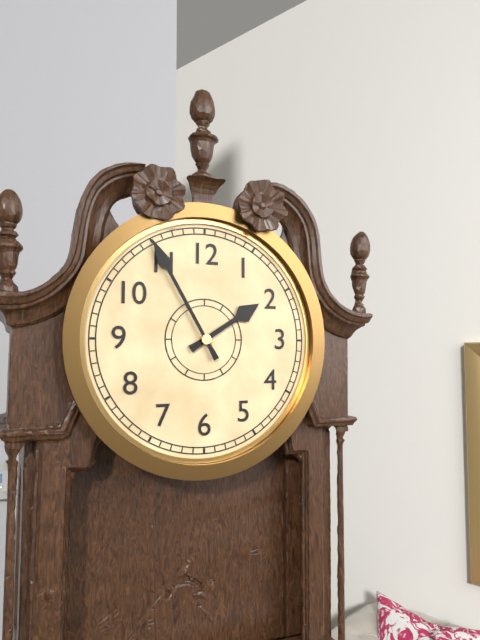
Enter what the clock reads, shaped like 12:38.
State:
1:55
